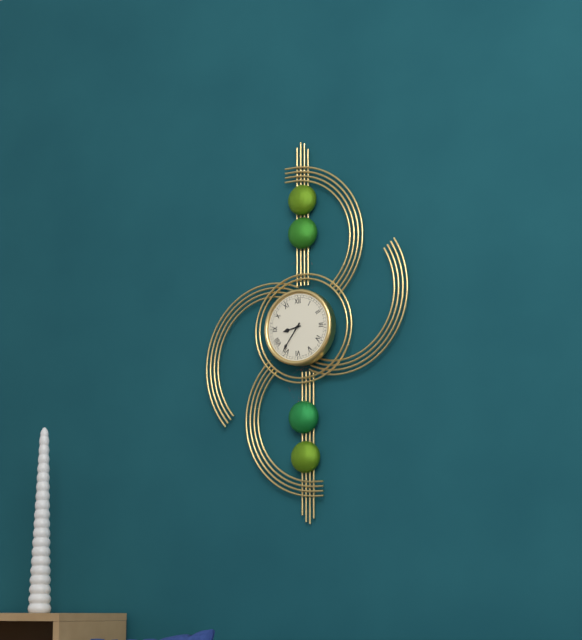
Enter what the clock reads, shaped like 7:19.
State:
8:36
